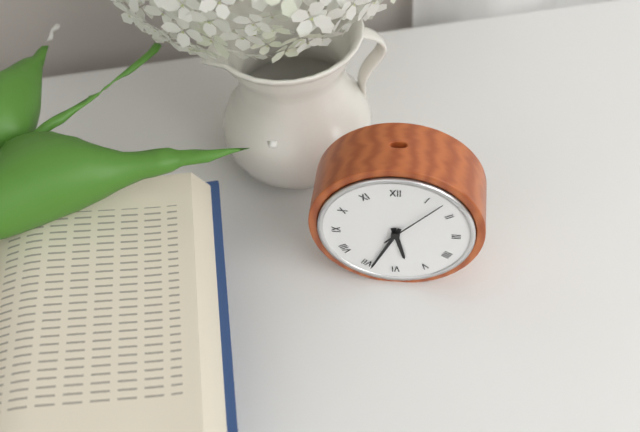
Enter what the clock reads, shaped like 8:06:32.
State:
5:34:07
